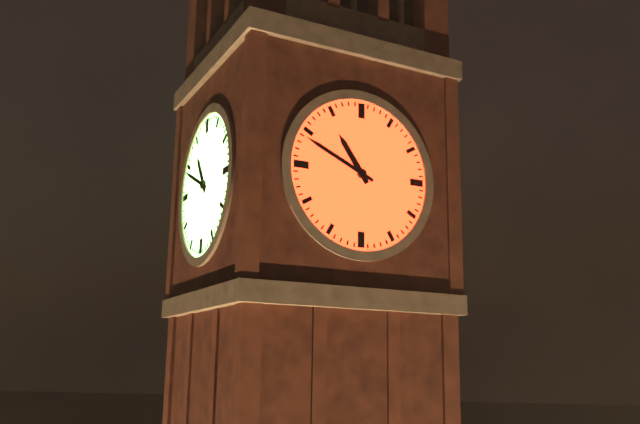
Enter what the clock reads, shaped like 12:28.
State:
10:49
